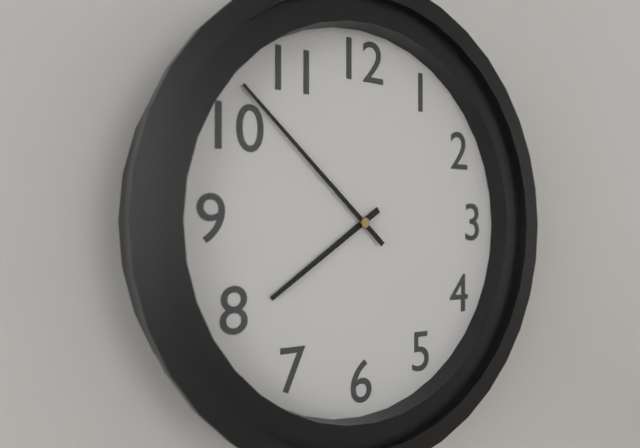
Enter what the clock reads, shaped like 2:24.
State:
7:52
